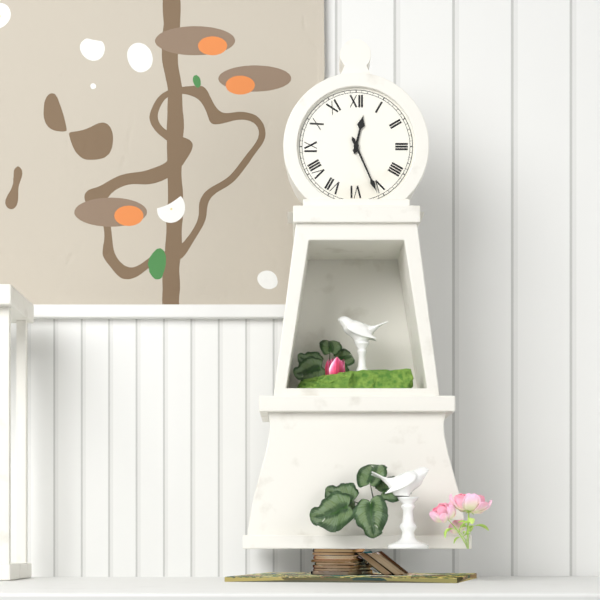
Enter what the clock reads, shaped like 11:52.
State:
12:26
